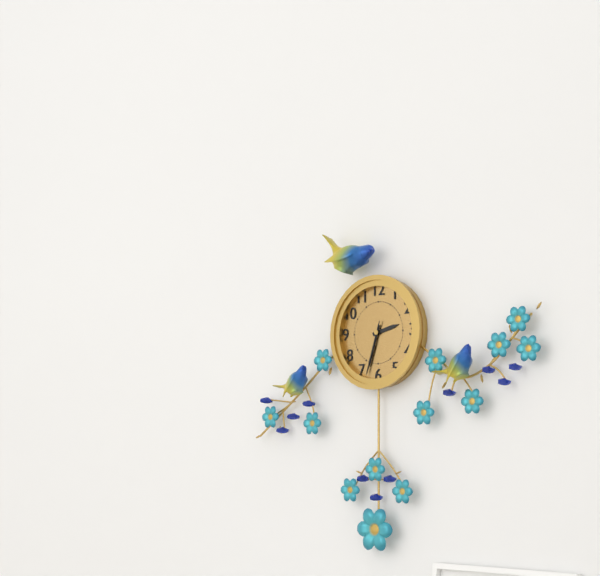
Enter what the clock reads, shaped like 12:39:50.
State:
2:33:33
